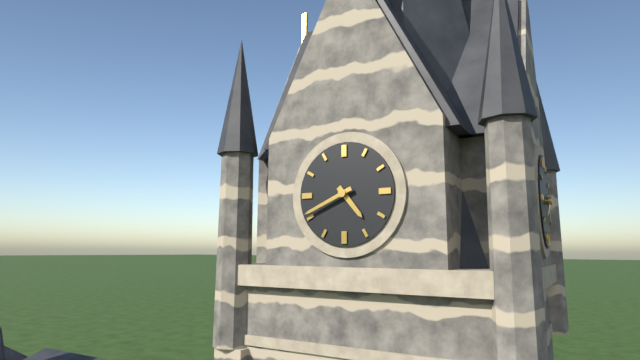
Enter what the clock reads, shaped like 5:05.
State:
4:41
